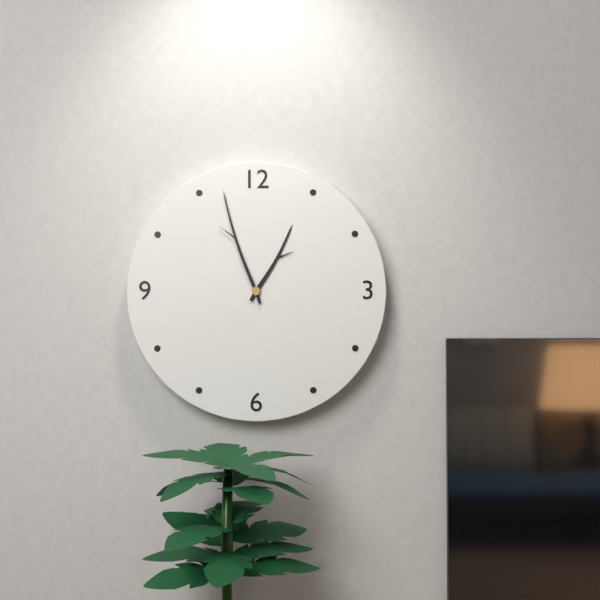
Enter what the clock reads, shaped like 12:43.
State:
12:57
